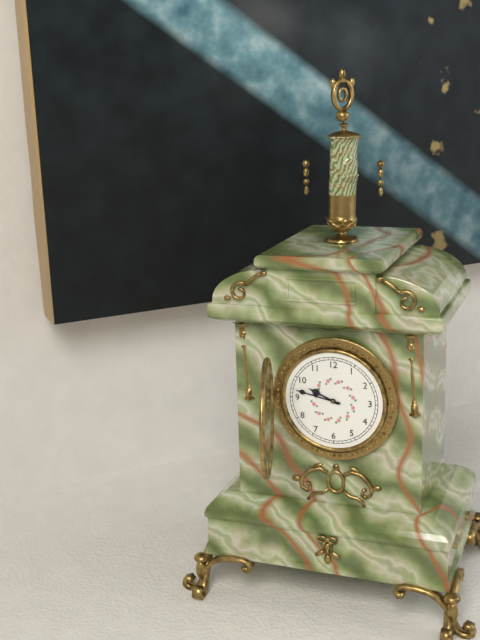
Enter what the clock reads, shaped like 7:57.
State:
9:47
